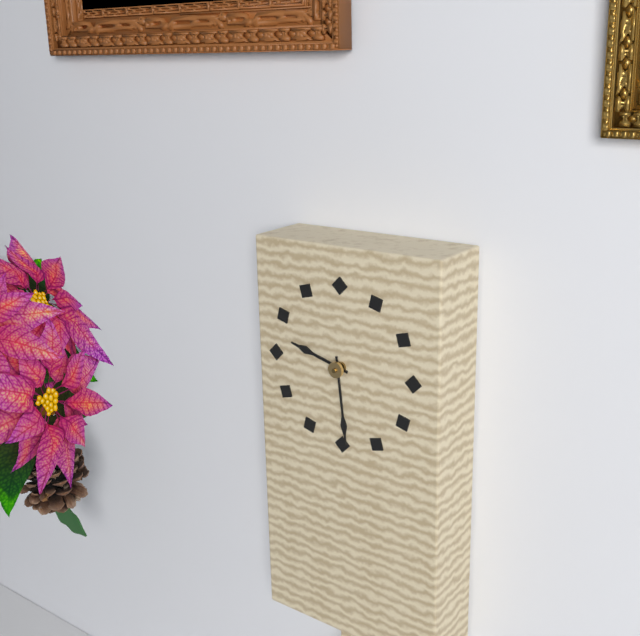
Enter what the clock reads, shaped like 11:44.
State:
9:29
